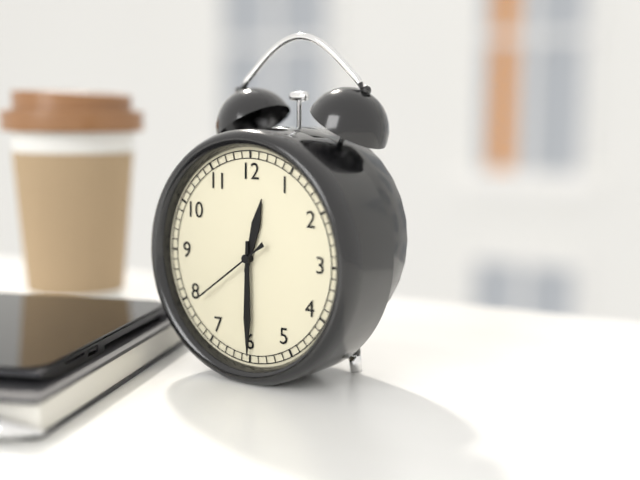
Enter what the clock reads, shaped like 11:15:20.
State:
12:30:39
